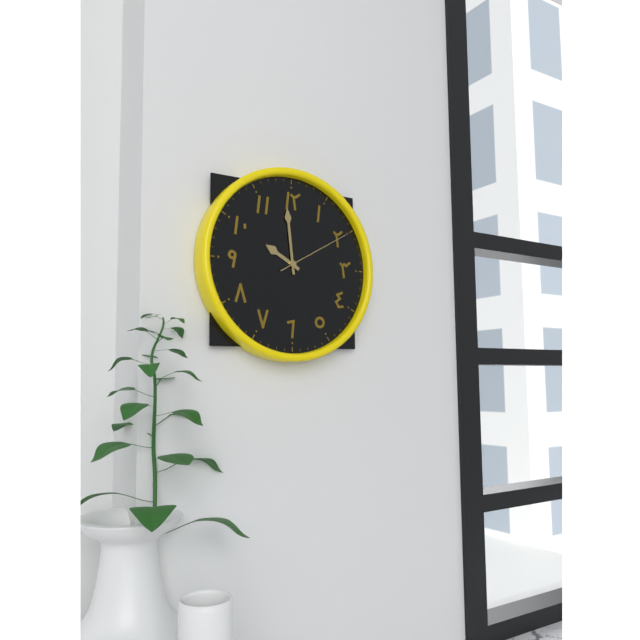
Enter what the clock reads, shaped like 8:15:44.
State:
9:59:10
